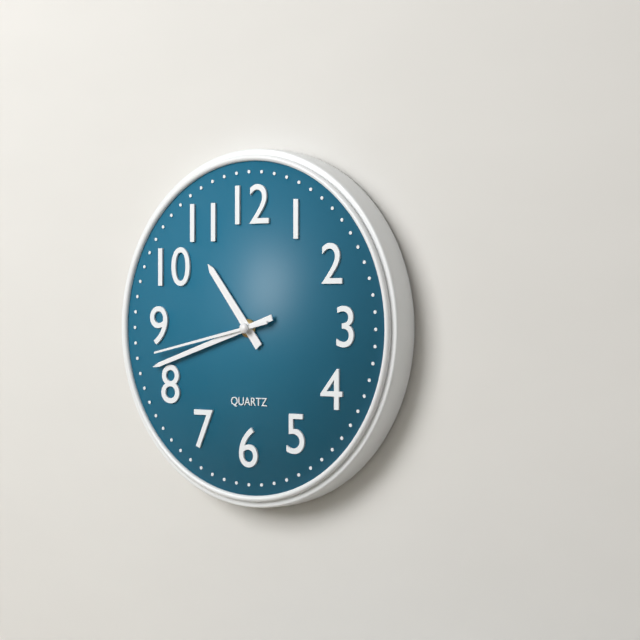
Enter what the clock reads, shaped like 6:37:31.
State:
10:42:43
